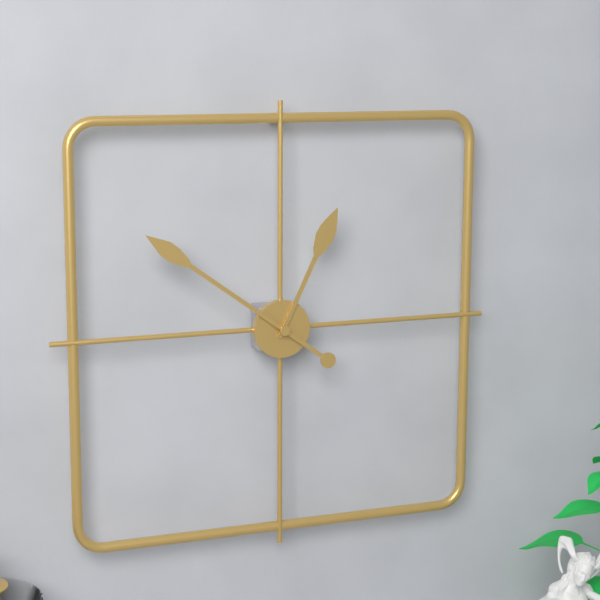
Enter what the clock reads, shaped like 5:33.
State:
12:51
